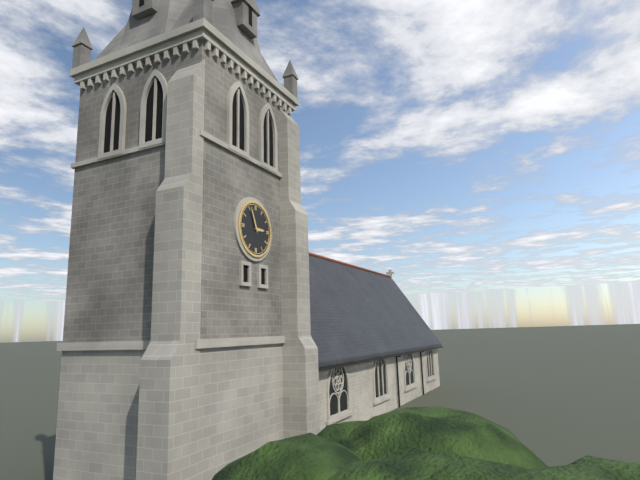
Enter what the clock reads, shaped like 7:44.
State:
2:56
